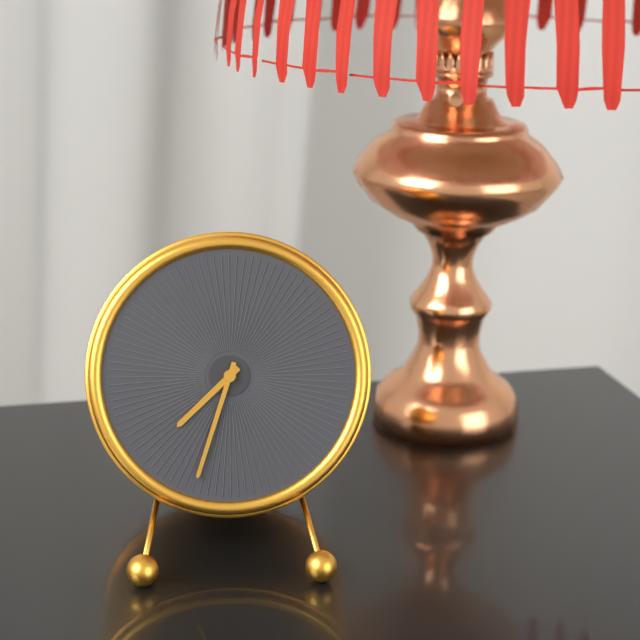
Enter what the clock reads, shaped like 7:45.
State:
7:33
